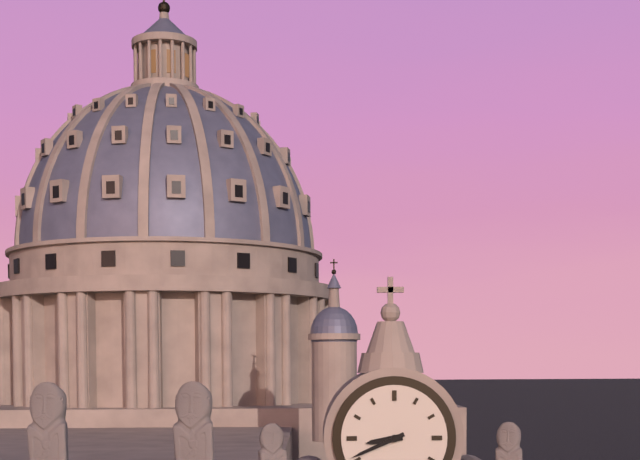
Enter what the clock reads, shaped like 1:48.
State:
8:41
